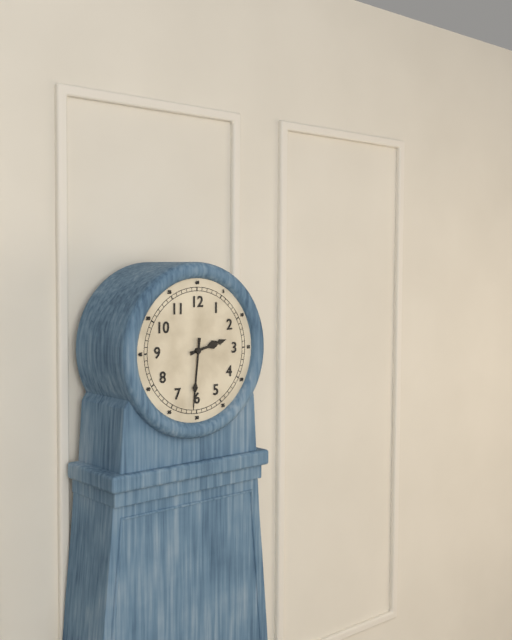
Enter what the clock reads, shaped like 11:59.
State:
2:31
